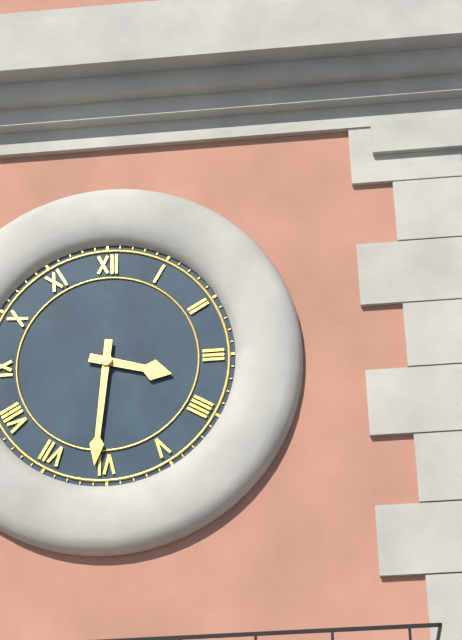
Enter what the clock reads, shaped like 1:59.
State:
3:31
